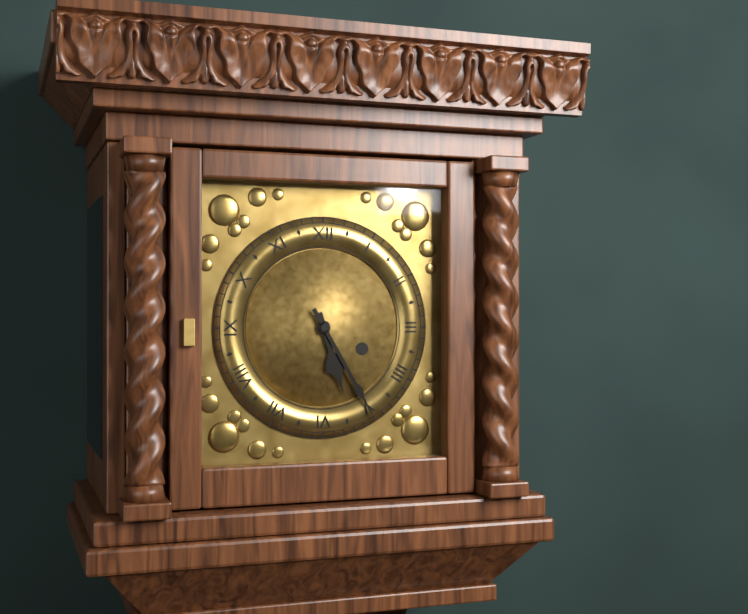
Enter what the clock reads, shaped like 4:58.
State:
5:25
